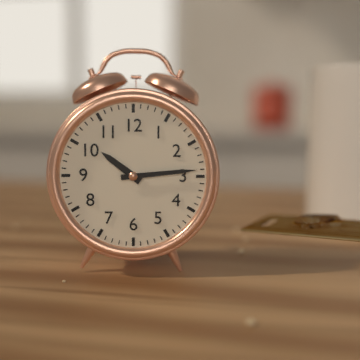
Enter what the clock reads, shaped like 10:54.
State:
10:14
